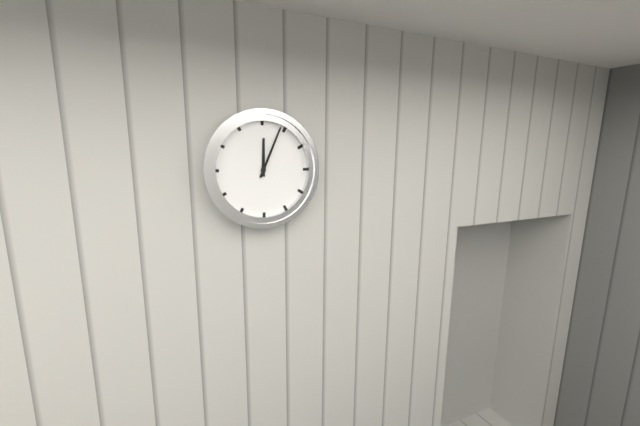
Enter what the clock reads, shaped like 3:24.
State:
12:04
